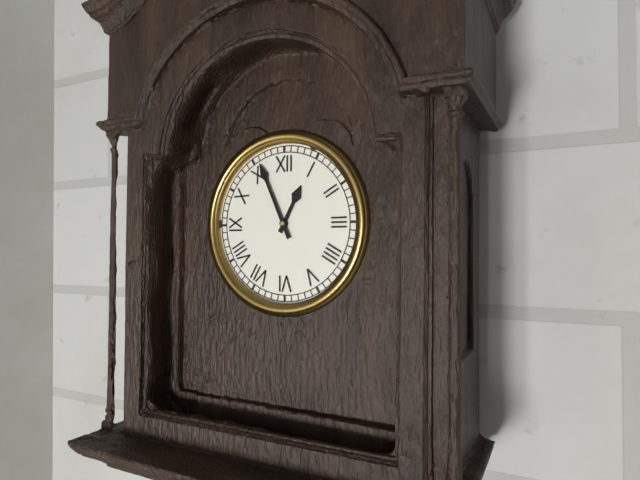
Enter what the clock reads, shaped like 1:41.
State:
12:56
